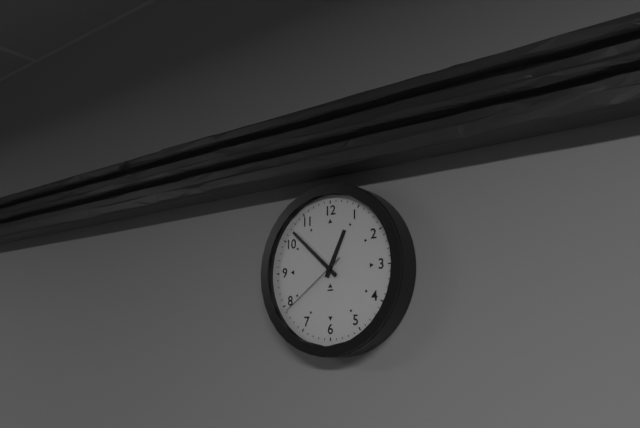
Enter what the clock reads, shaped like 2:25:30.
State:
12:52:39
